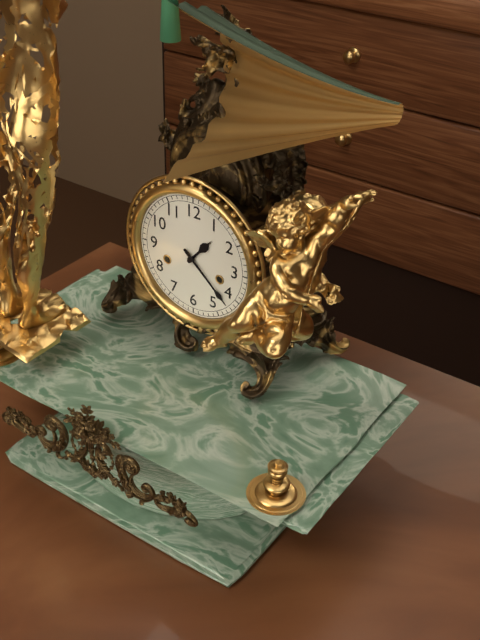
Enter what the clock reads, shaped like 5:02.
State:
1:22
